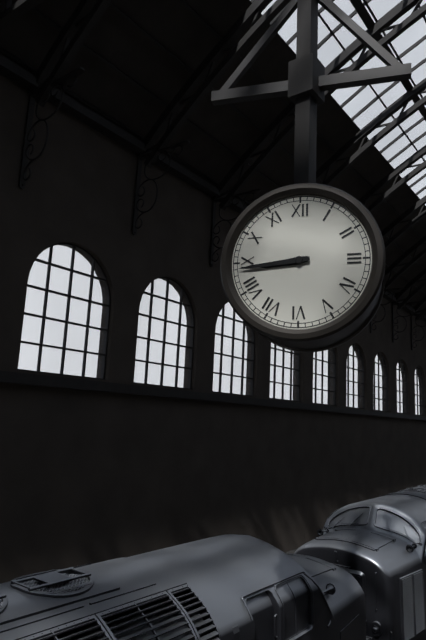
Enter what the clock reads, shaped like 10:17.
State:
8:44
